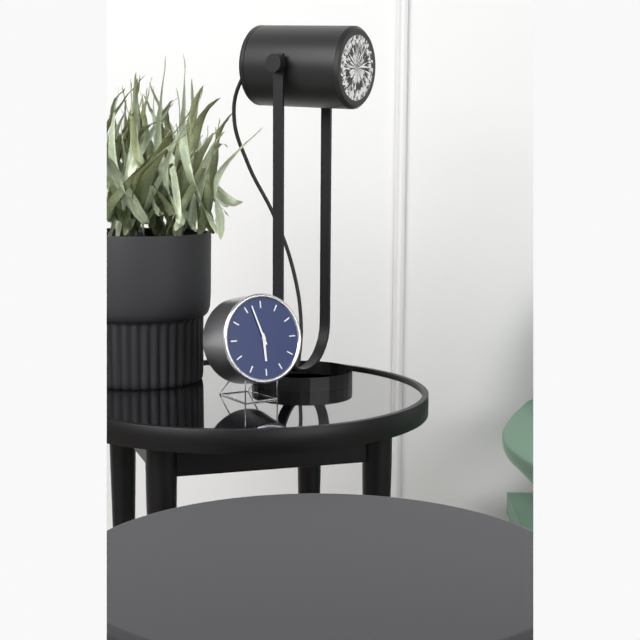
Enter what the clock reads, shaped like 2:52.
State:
5:57
